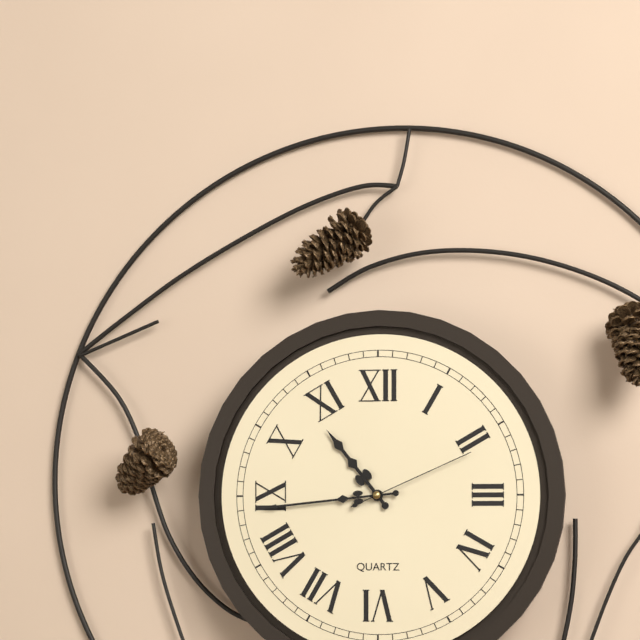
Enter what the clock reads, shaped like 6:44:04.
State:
10:44:11
